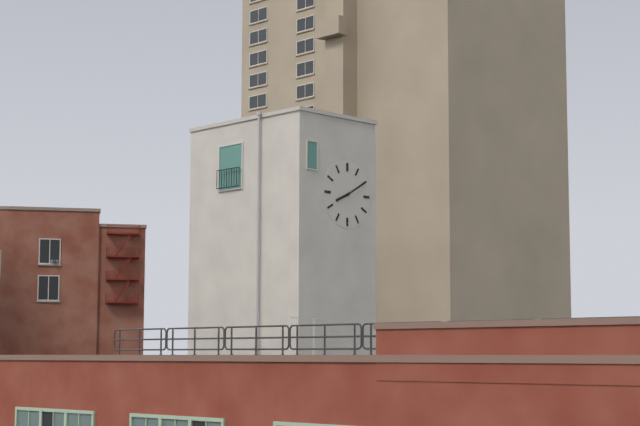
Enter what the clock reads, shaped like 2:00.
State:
8:10
